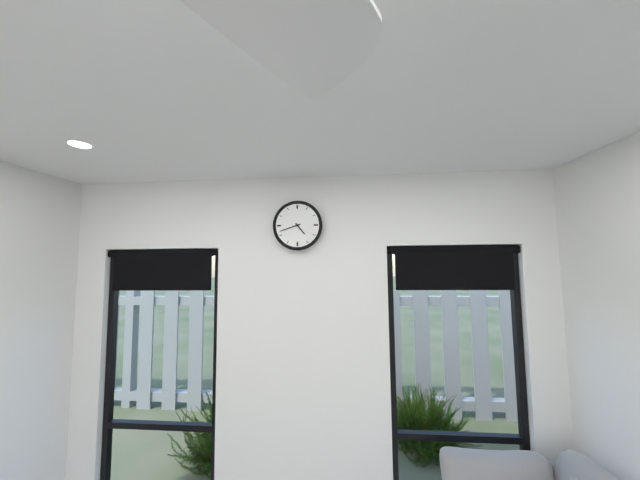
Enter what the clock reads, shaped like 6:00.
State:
4:42
